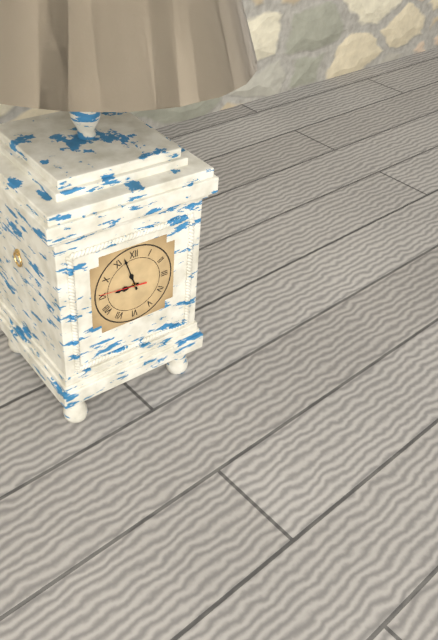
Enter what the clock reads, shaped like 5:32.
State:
8:57
